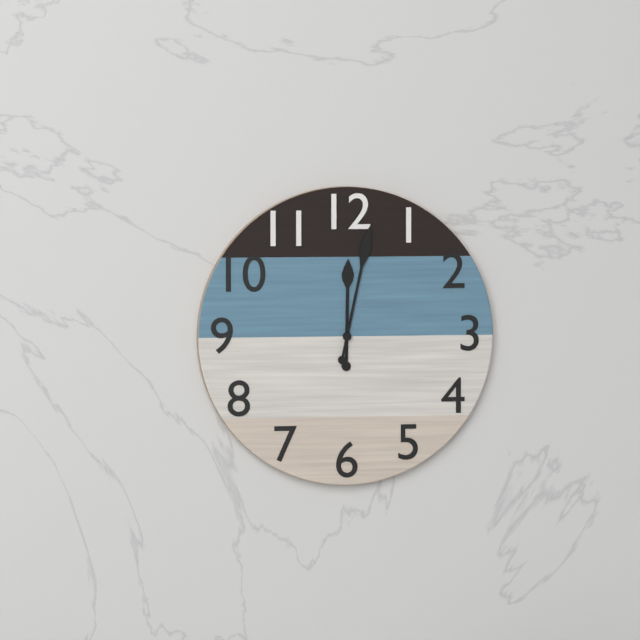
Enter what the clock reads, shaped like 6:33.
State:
12:02
